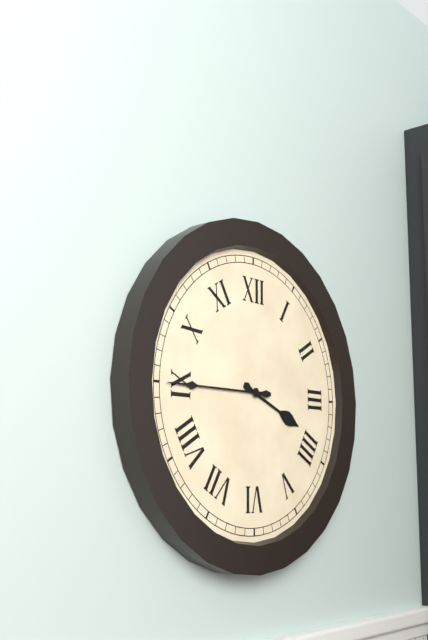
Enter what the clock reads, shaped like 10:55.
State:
3:45
